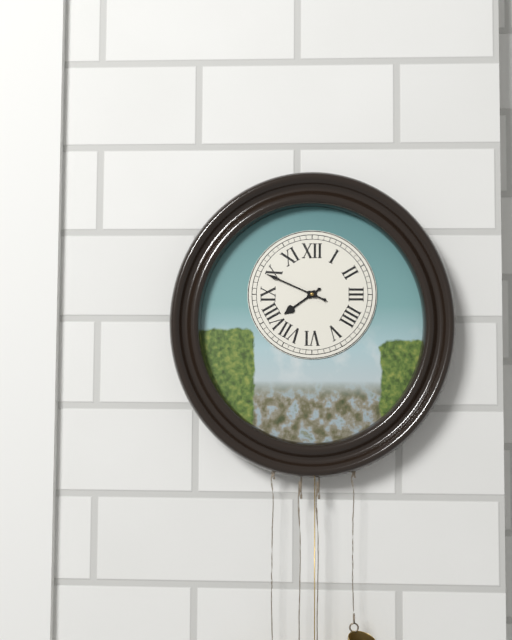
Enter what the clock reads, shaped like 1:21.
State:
7:49
